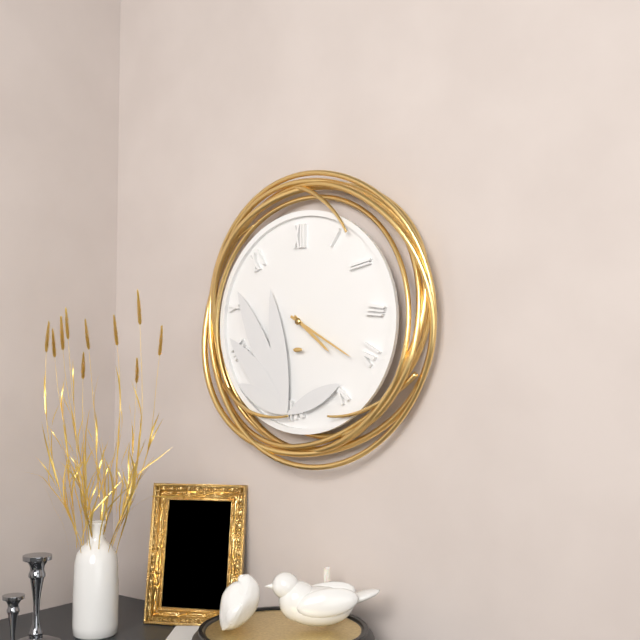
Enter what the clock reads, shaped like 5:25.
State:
4:20
